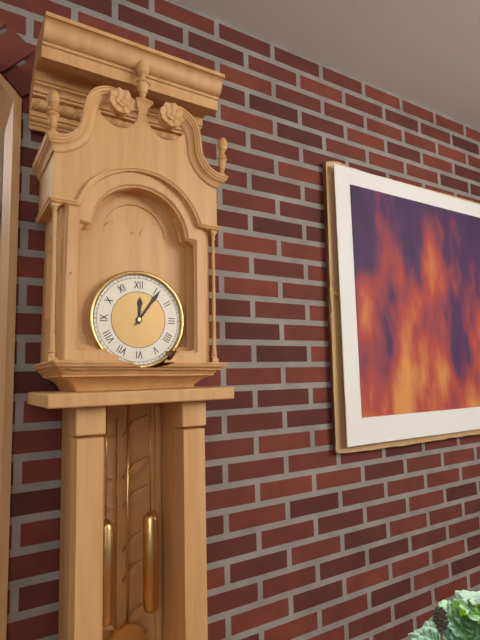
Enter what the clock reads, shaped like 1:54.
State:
12:06
